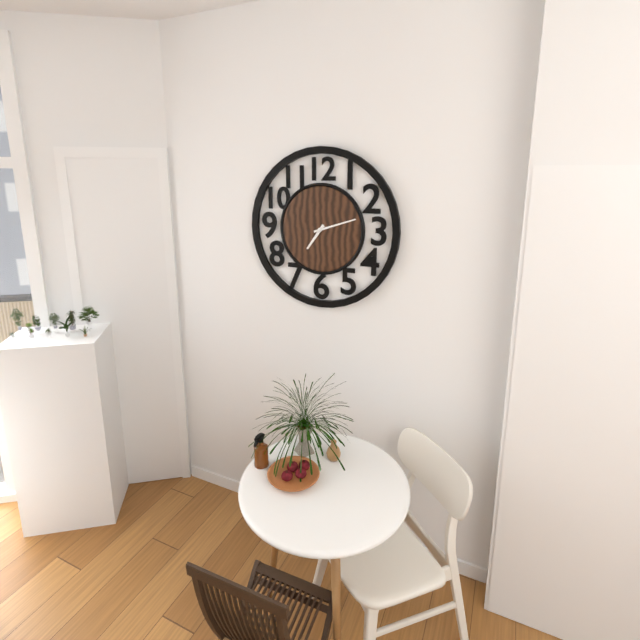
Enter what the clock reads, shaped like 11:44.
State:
7:12
